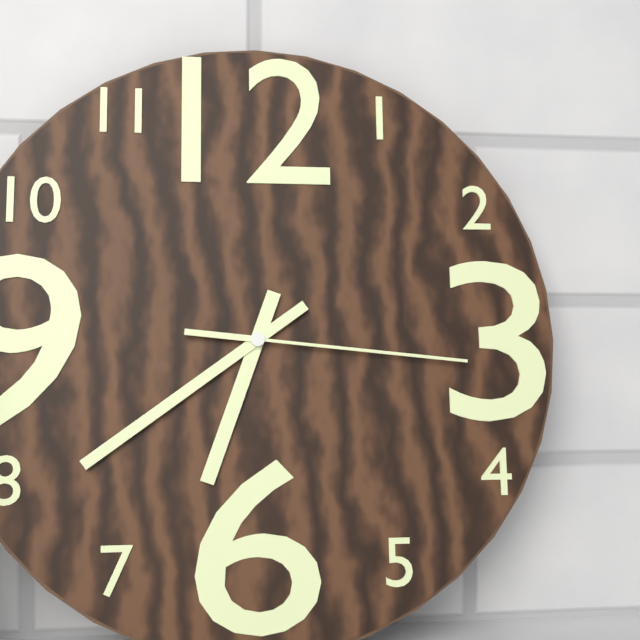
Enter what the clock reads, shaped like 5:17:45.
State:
6:39:16
